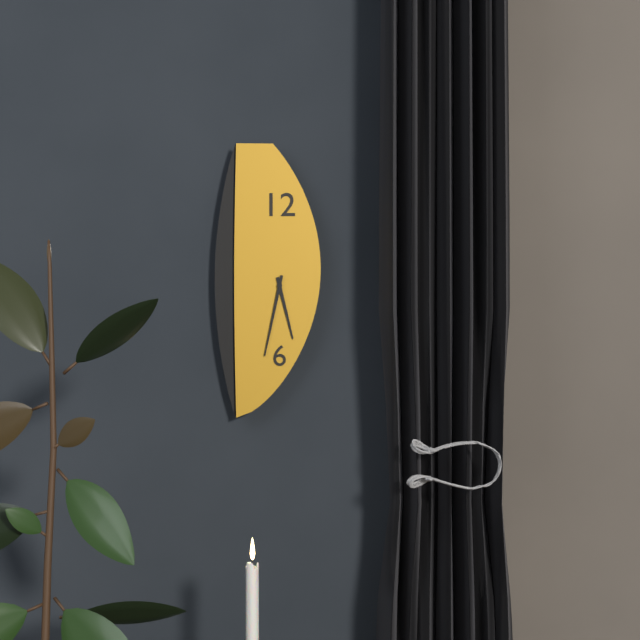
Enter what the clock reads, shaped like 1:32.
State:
5:32
